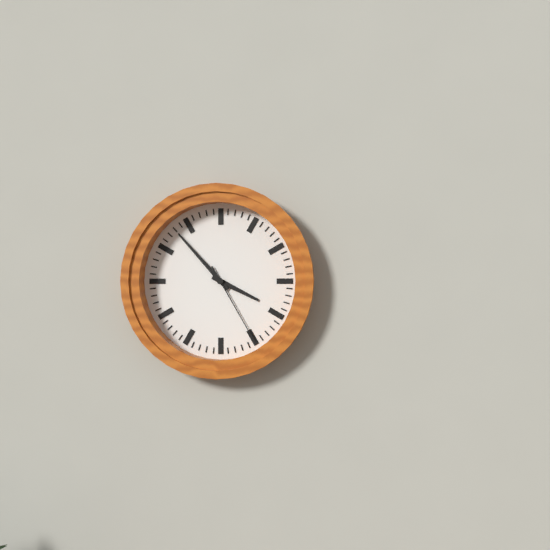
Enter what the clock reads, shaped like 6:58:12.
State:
3:53:25
